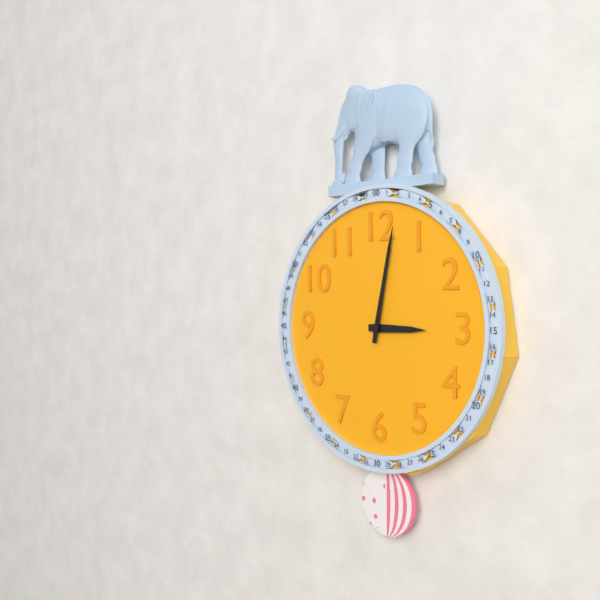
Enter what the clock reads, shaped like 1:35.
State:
3:02
